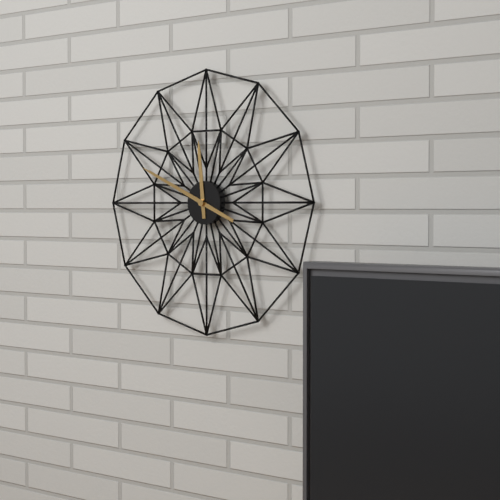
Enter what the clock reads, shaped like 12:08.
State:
11:49
